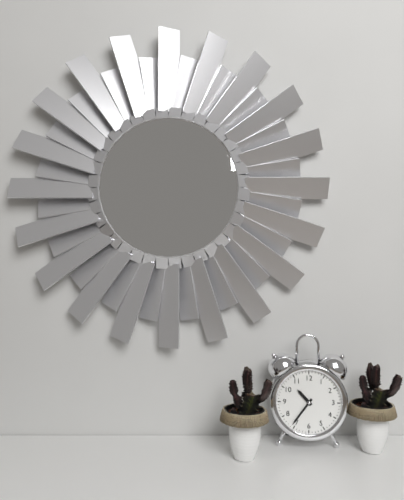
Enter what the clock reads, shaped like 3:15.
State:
10:36
